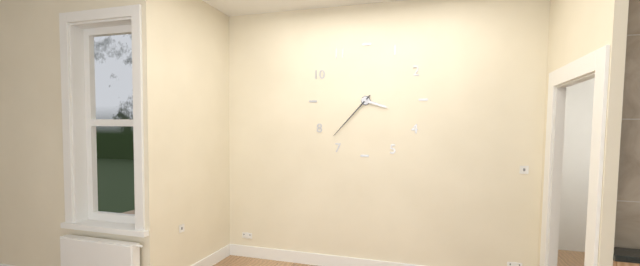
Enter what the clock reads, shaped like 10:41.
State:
3:37
